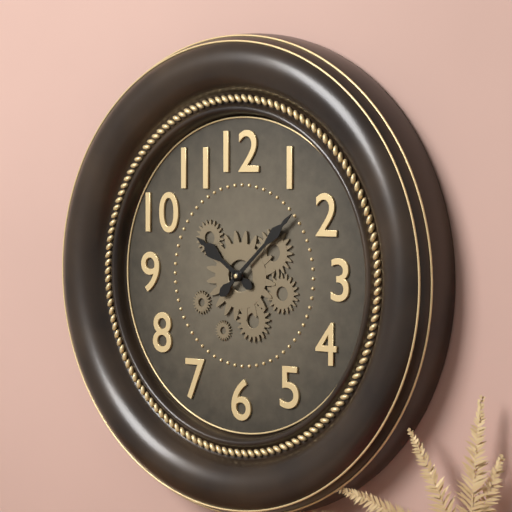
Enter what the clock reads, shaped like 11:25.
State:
10:08
